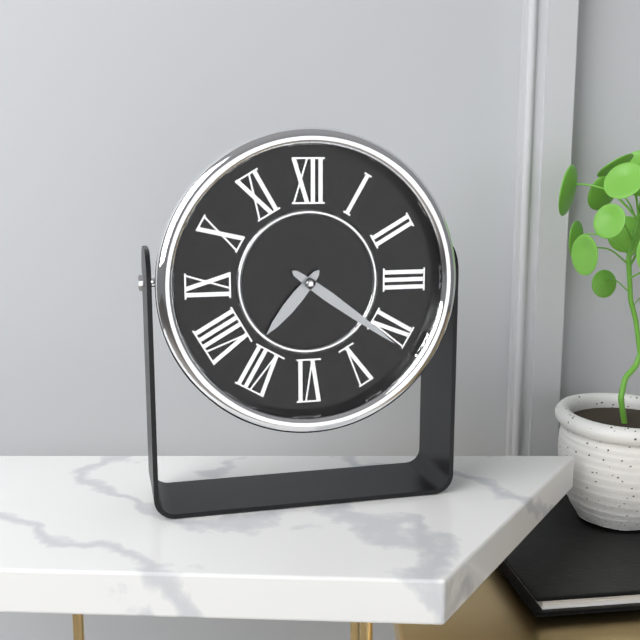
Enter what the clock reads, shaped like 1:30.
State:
7:21
